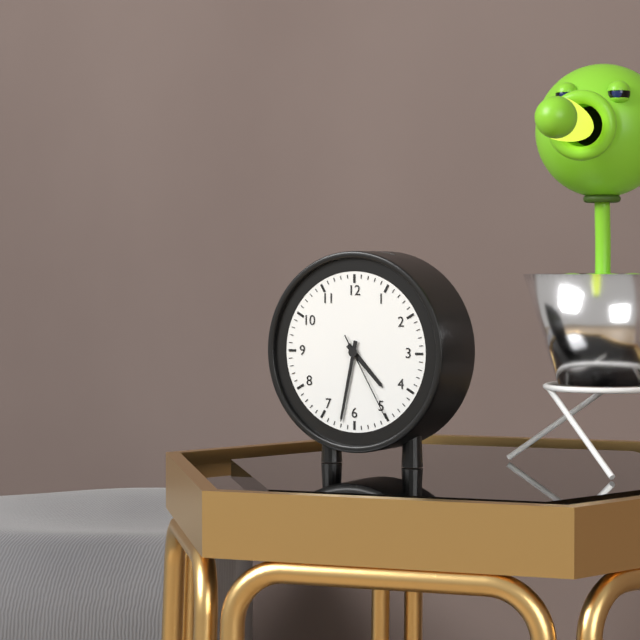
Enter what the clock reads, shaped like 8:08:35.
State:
4:32:25
